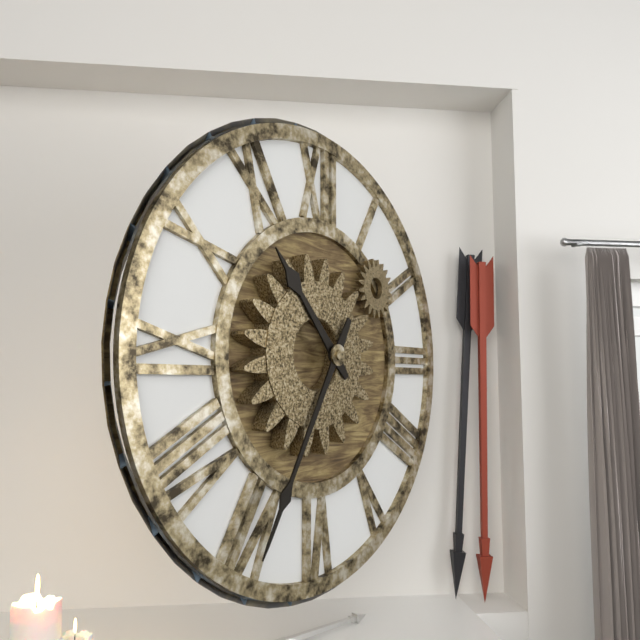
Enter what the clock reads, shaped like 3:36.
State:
10:35
